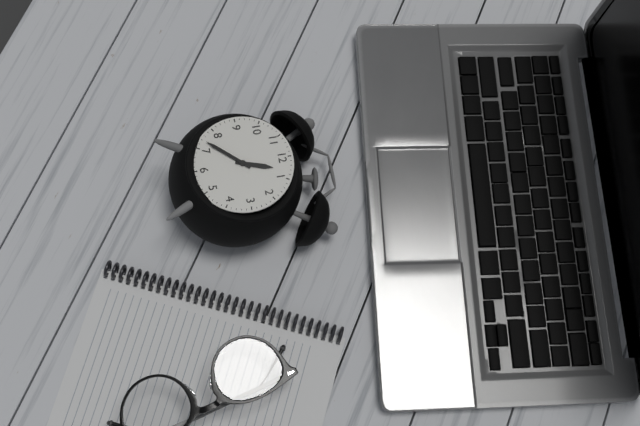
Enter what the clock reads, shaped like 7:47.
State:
12:37
